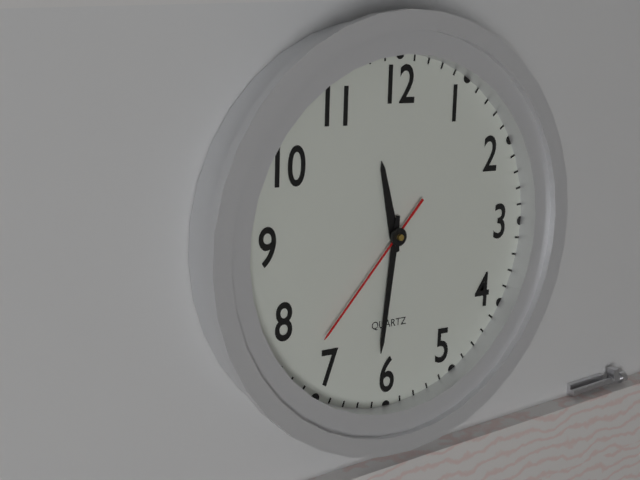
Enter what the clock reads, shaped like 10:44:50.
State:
11:31:37
